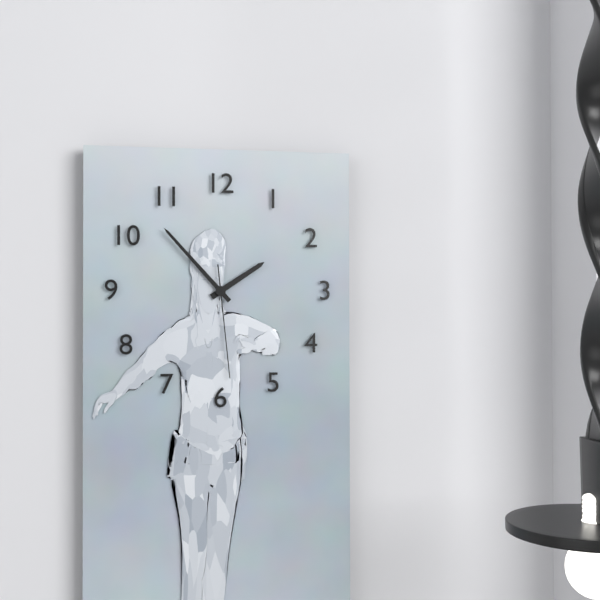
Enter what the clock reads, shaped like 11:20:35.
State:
1:53:29
